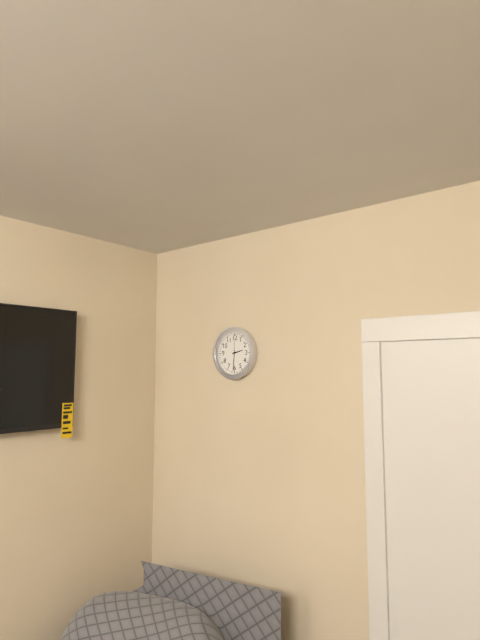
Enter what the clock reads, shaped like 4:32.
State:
2:31
